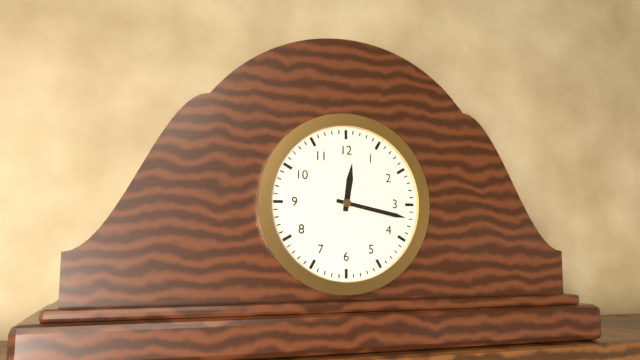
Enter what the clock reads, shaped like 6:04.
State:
12:17
